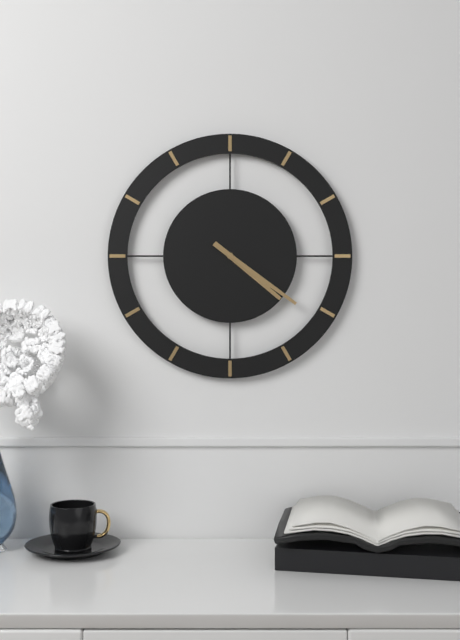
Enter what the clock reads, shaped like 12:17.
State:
4:21
